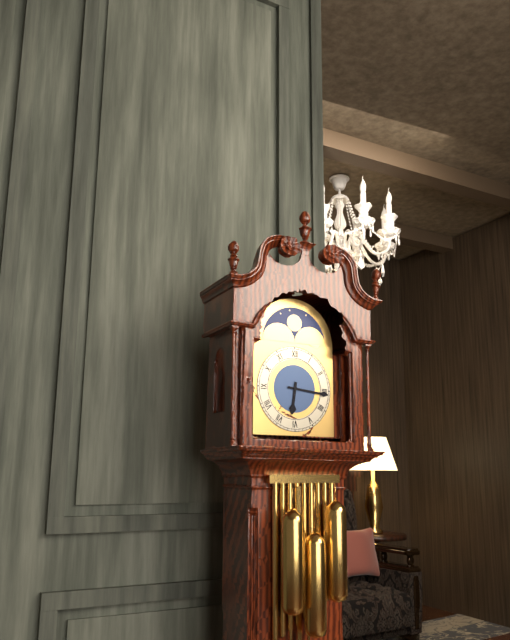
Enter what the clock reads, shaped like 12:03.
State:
6:16
